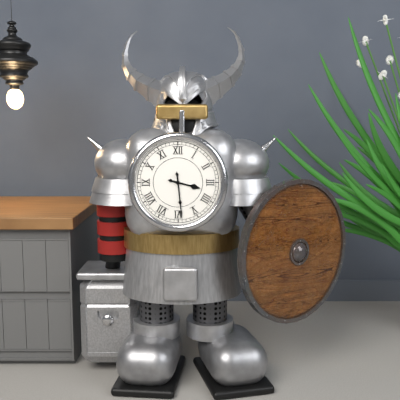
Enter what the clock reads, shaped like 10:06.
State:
3:29
